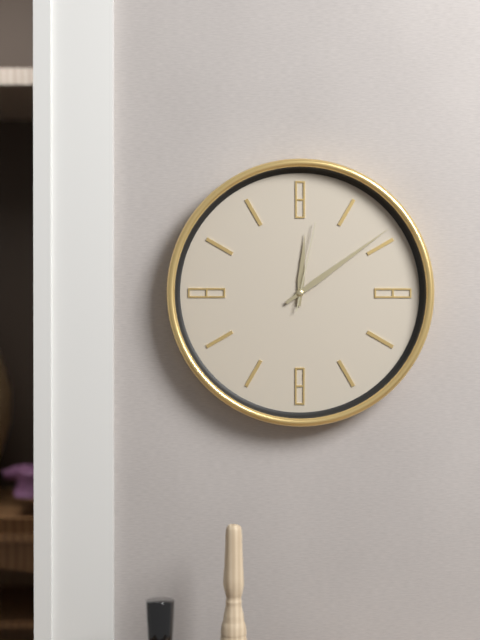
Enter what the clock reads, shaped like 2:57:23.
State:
12:09:02
